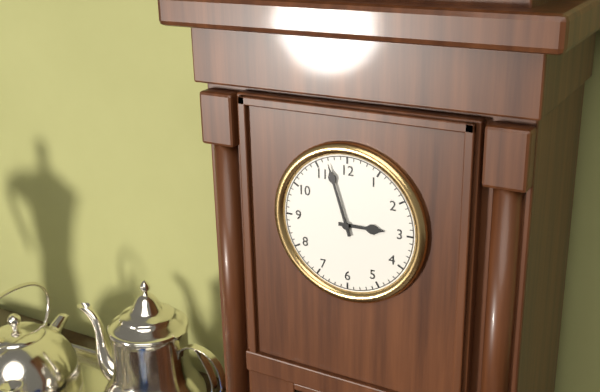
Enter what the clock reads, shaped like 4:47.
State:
2:57
